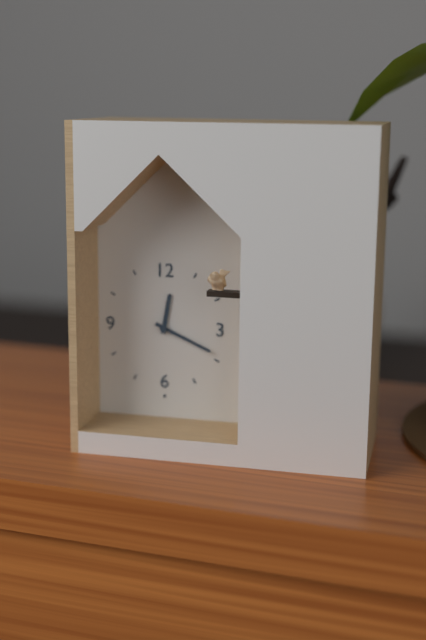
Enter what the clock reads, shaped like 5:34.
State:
12:19
